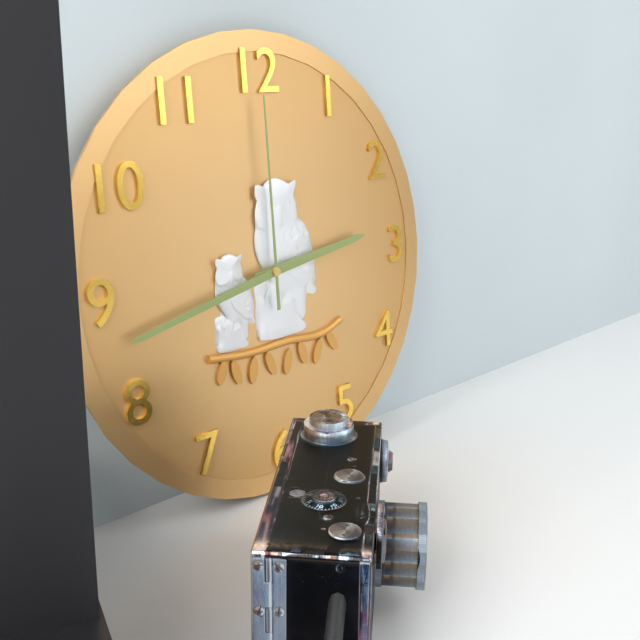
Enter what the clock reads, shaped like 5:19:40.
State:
2:43:00
